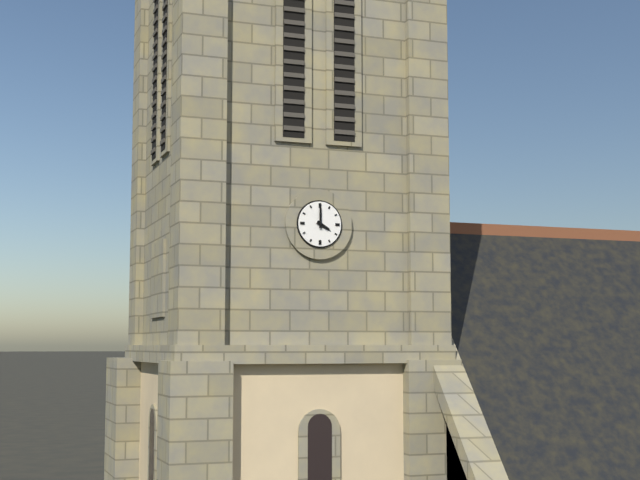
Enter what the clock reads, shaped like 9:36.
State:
4:00
